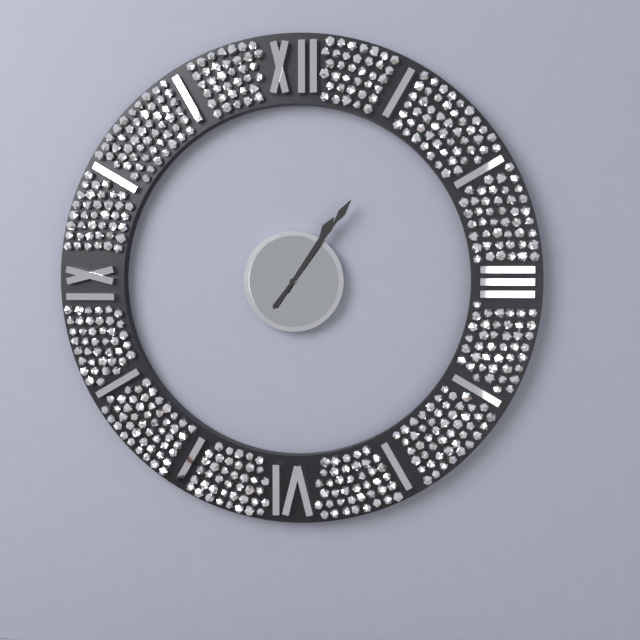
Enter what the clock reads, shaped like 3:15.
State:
1:06
